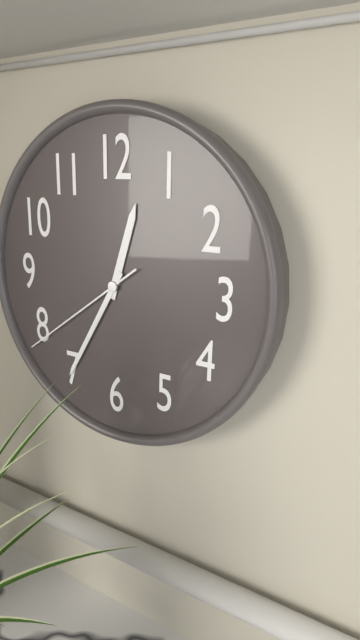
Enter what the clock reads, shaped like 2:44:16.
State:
12:35:39
